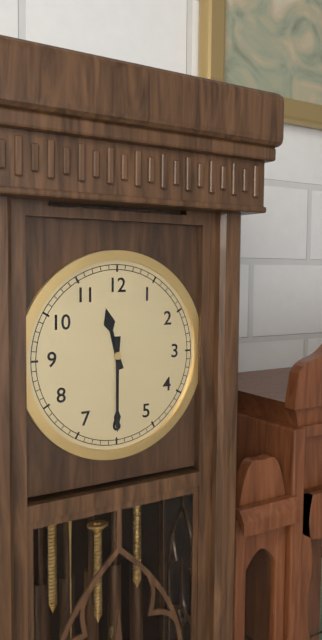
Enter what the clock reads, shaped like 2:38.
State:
11:30
